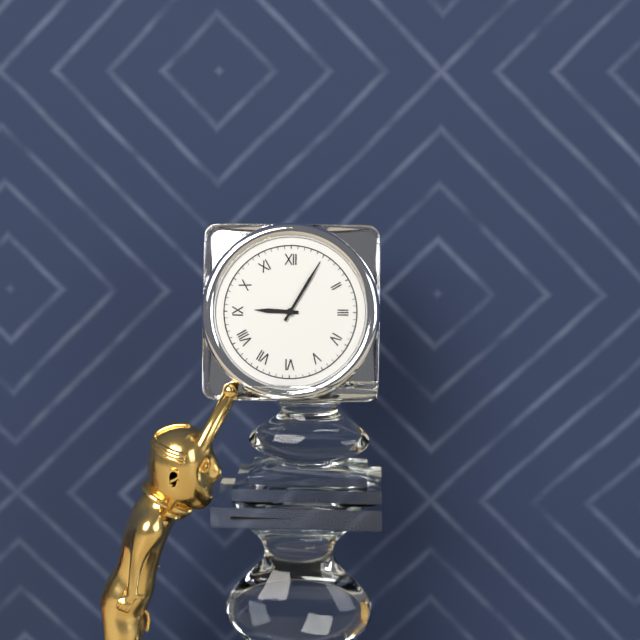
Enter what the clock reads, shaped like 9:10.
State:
9:05
